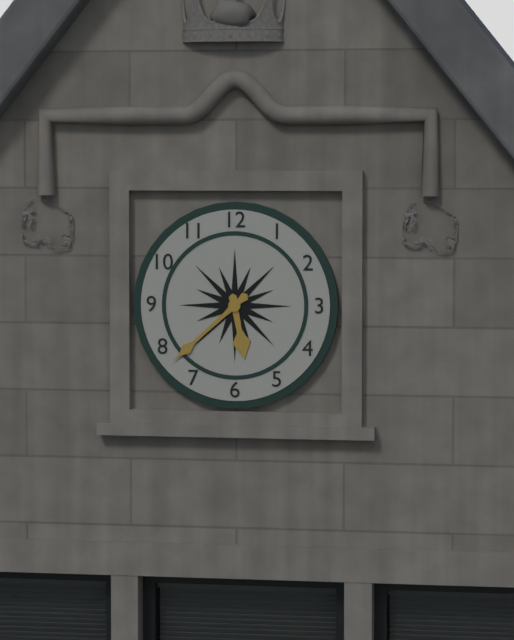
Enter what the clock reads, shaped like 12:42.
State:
5:38
